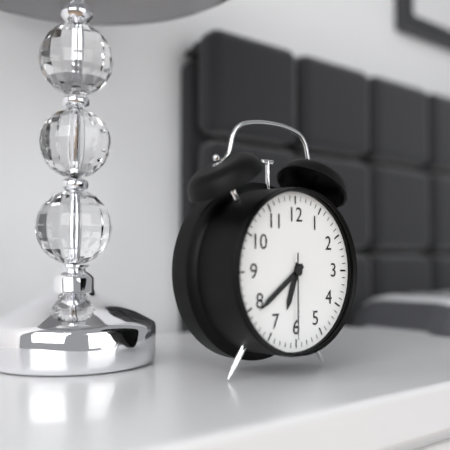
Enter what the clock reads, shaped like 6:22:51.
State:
6:39:30
